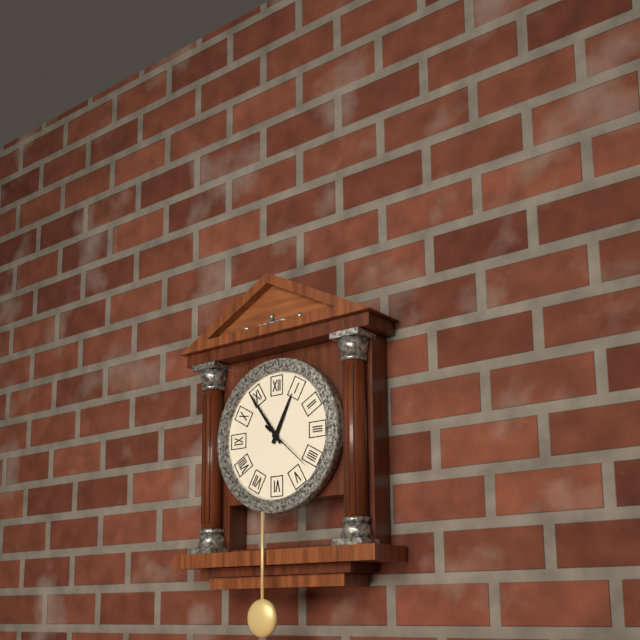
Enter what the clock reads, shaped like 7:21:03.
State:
12:54:22
